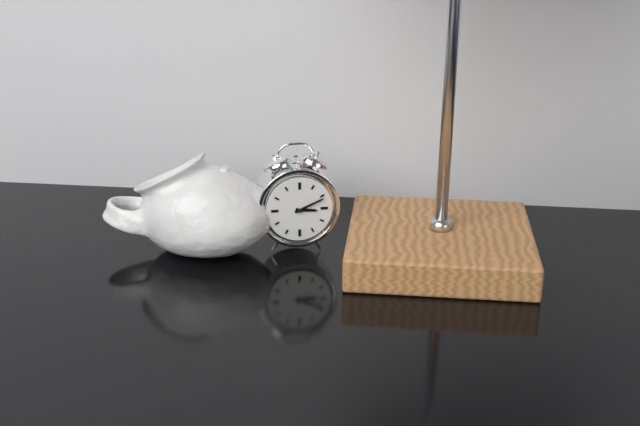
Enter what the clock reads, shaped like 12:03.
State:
3:11
